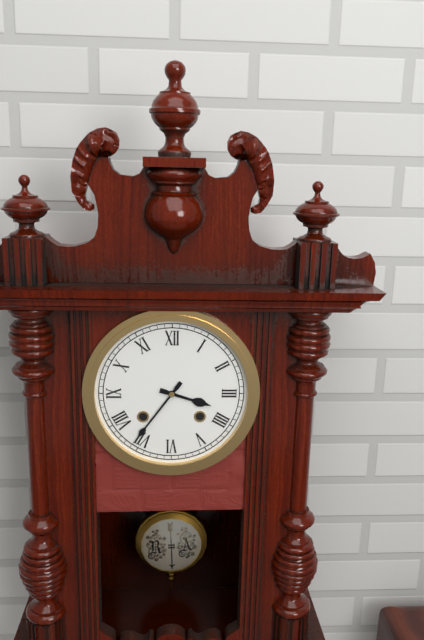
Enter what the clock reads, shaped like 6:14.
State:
3:36
